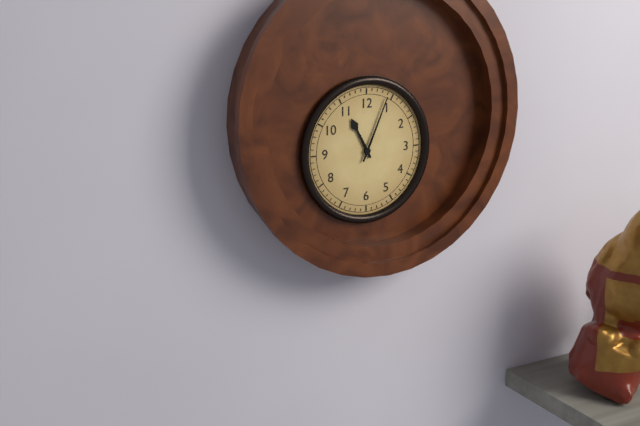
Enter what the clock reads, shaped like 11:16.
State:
11:04
